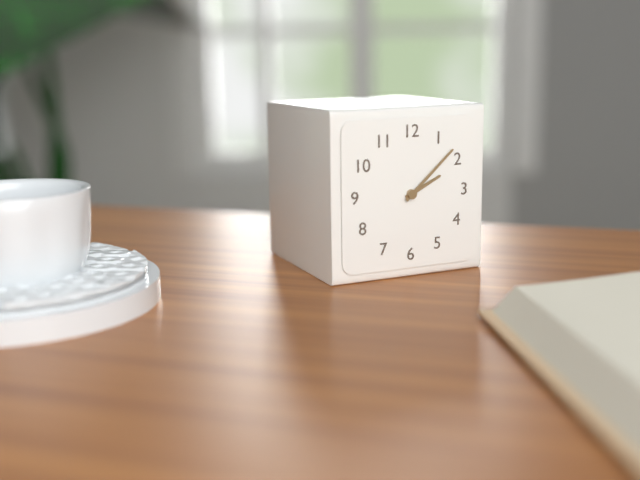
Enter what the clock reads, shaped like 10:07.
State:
2:08
